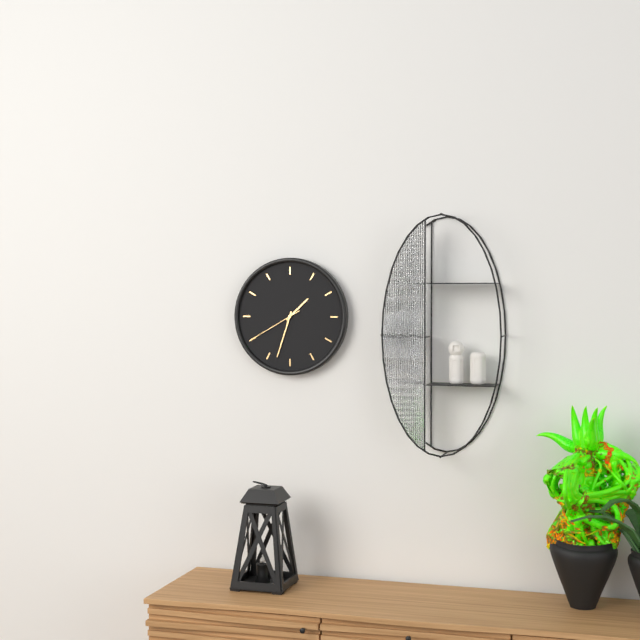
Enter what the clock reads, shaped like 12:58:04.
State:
1:33:40
